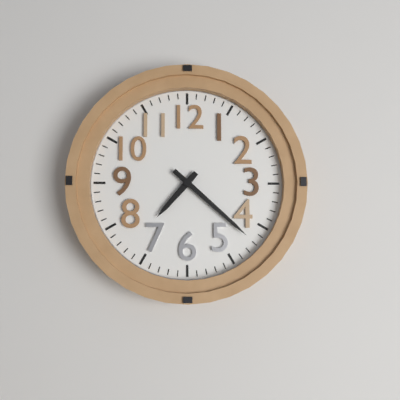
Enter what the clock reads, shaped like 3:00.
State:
7:22
